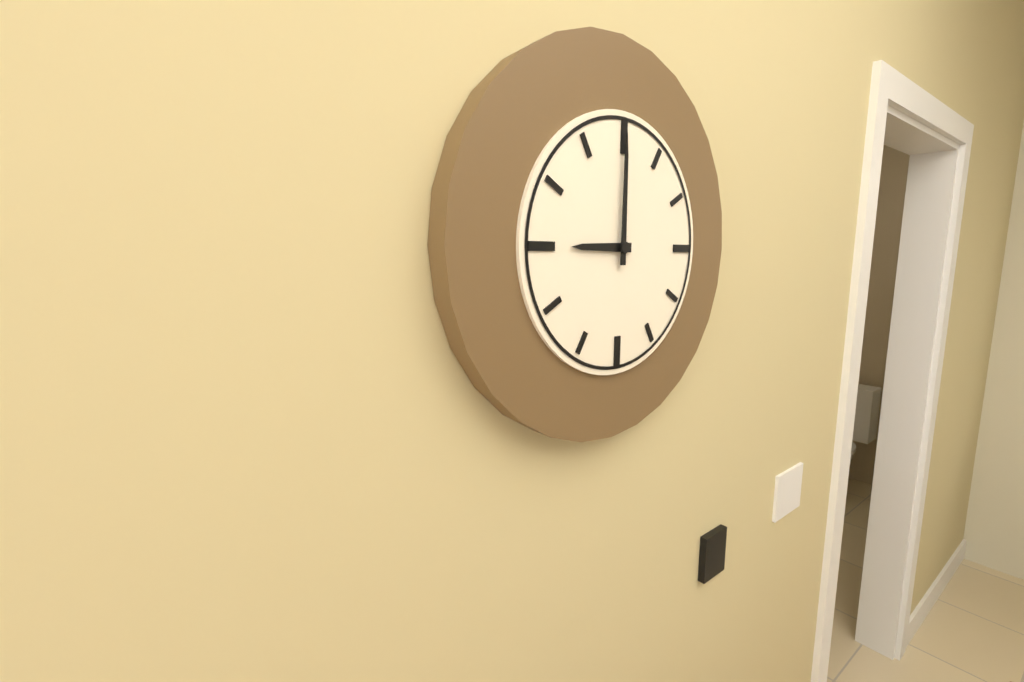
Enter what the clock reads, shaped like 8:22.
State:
9:00
